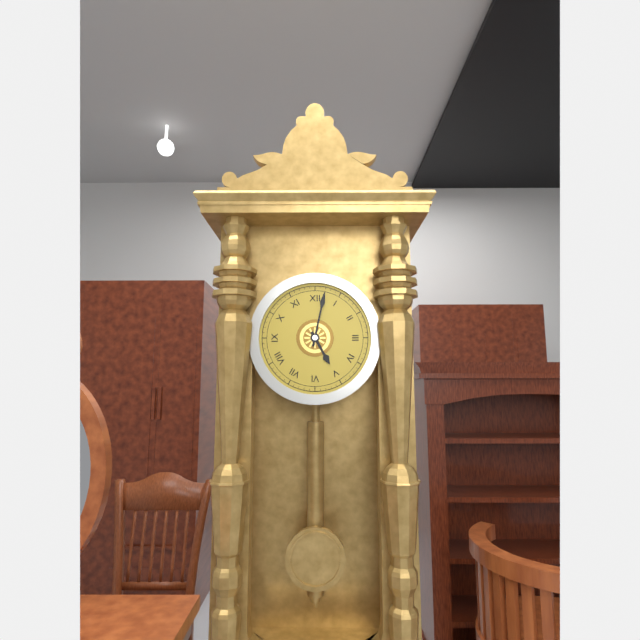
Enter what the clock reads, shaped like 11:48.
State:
5:02
